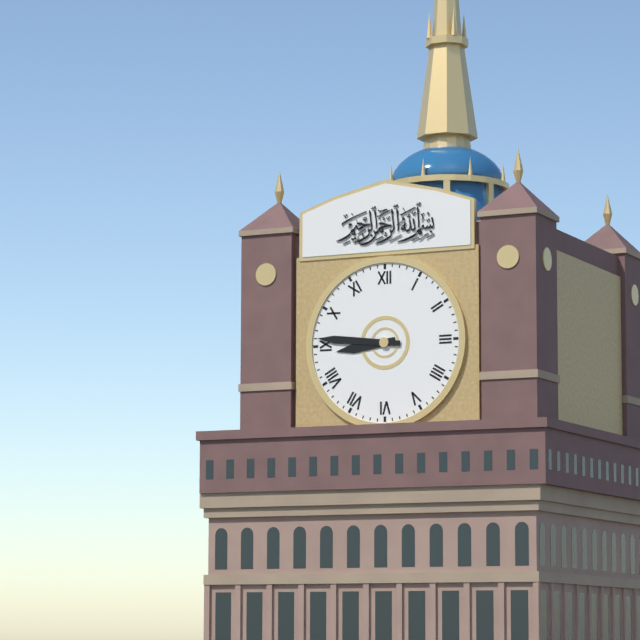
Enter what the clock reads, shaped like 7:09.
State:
8:46
